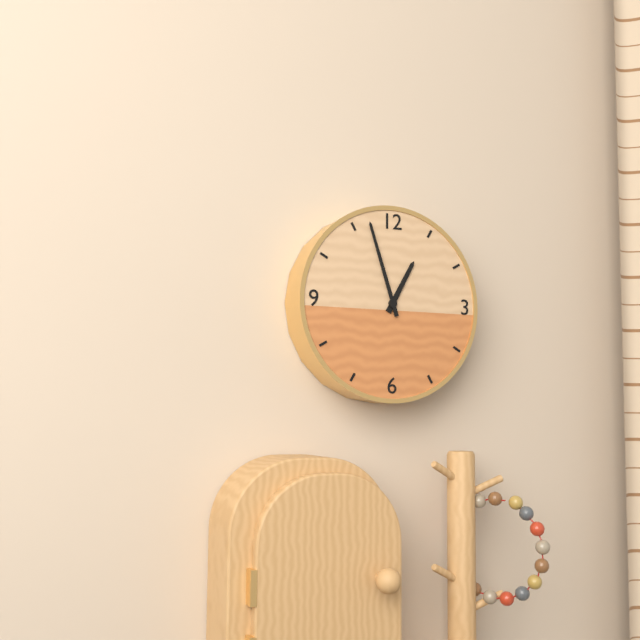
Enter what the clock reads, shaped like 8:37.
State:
12:57
